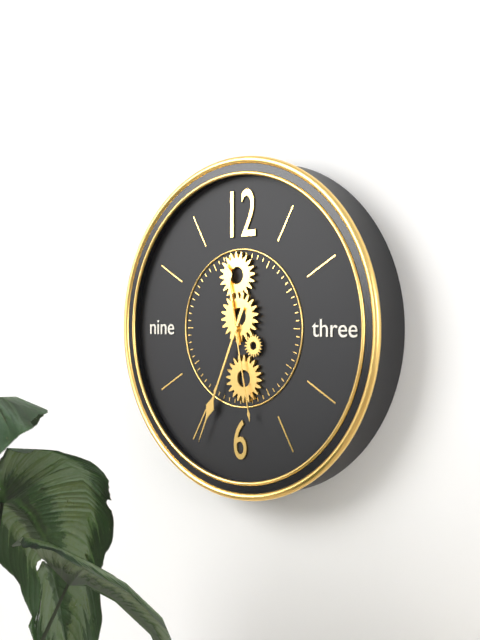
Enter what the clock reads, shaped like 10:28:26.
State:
11:34:28
